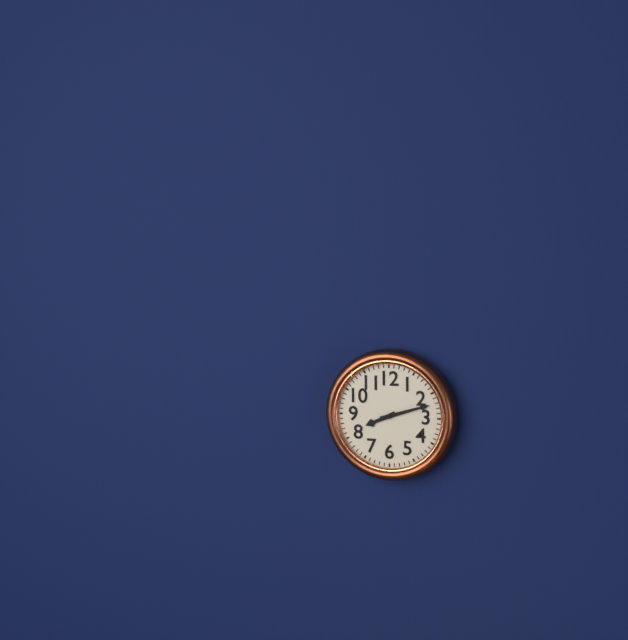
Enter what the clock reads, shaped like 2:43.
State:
8:12
